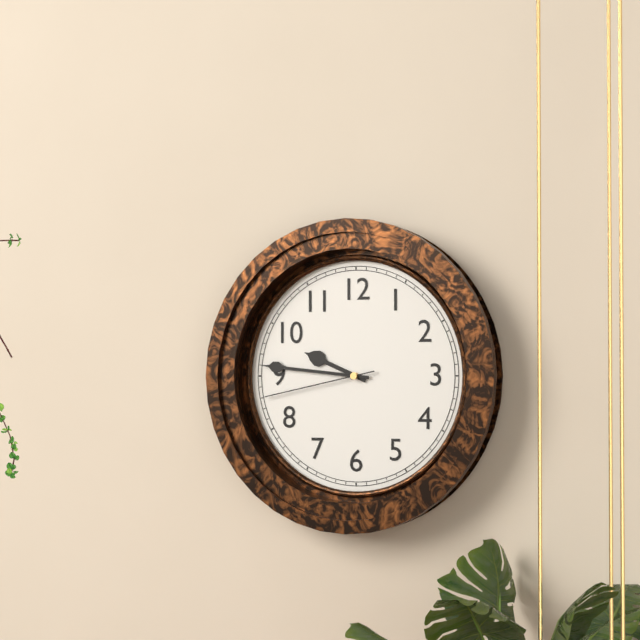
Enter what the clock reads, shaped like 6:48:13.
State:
9:46:43
